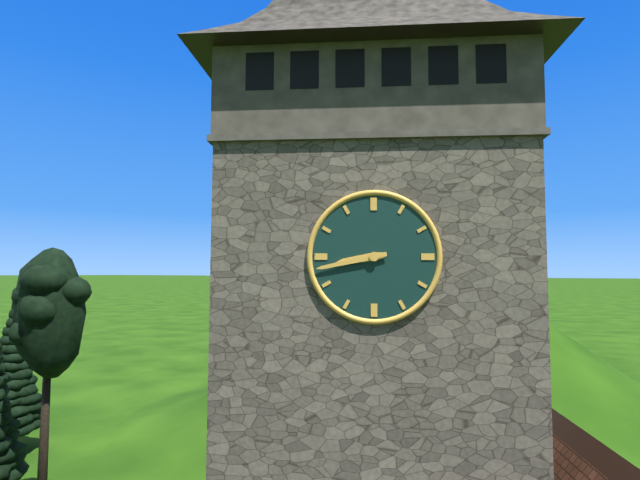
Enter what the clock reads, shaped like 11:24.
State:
8:43
